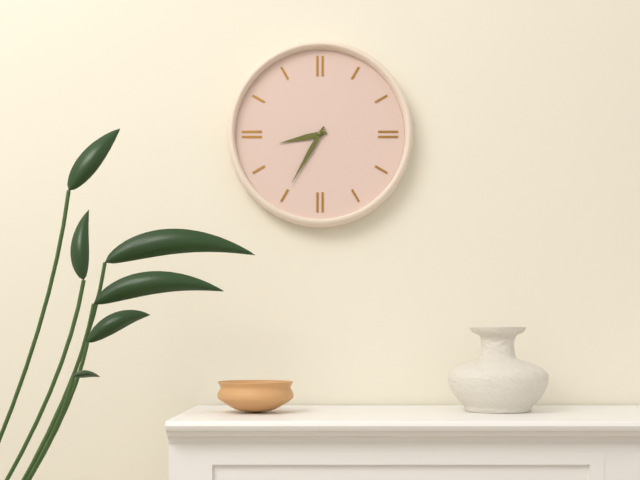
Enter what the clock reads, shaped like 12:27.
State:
8:35
